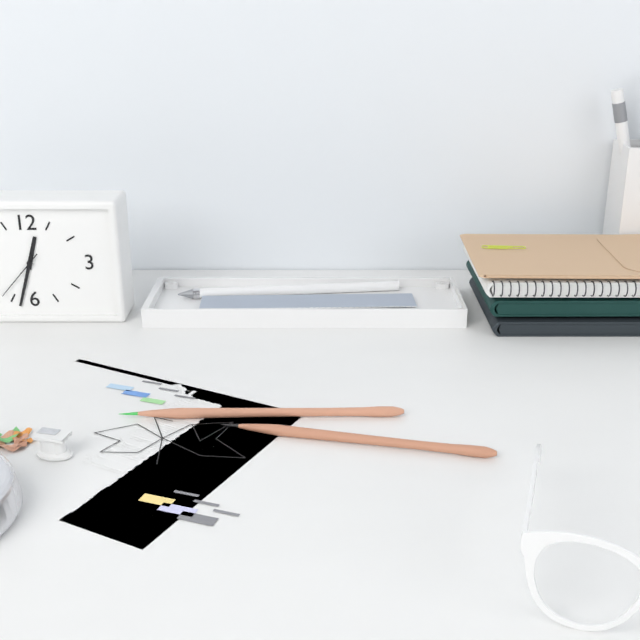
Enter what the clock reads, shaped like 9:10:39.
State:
12:33:37
